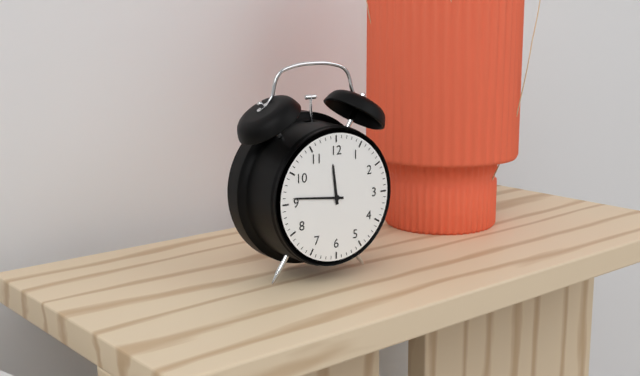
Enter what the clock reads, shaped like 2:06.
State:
11:46
